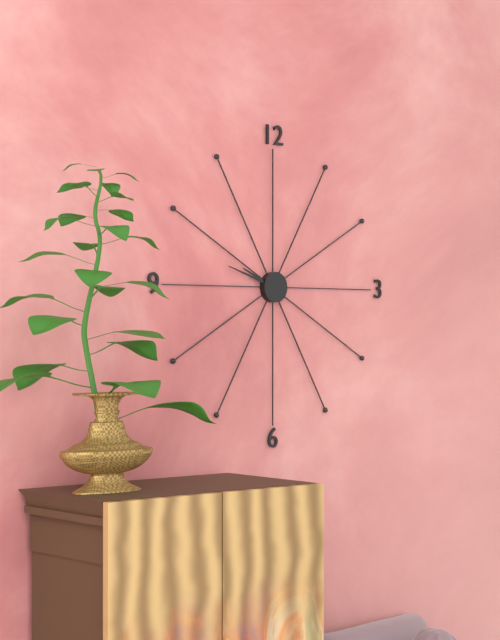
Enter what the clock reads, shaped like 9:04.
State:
9:48
